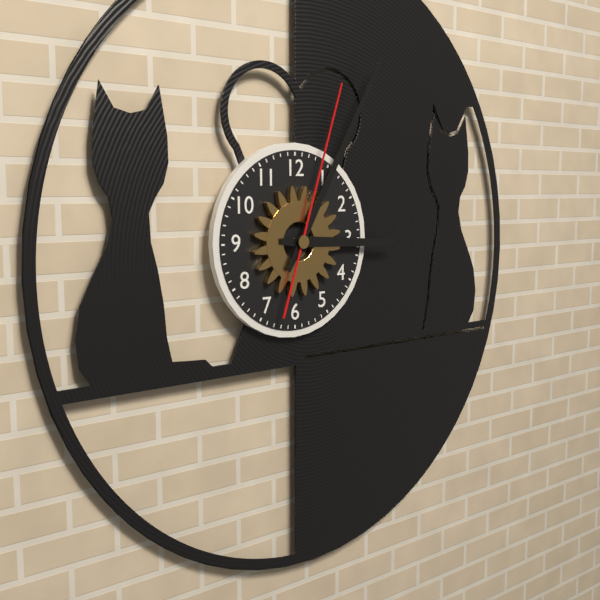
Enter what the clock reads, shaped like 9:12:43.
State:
3:05:03
